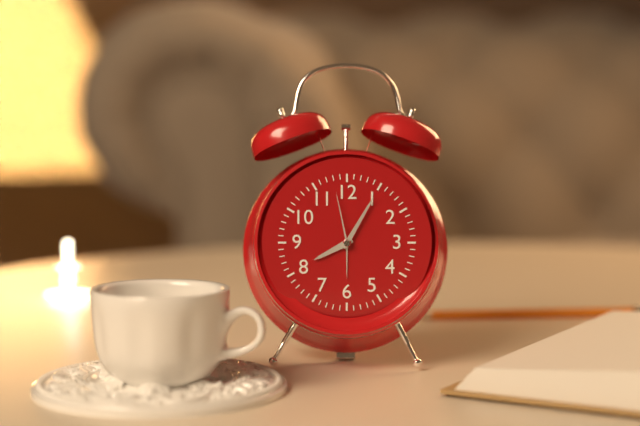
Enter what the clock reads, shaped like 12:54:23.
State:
8:05:58
